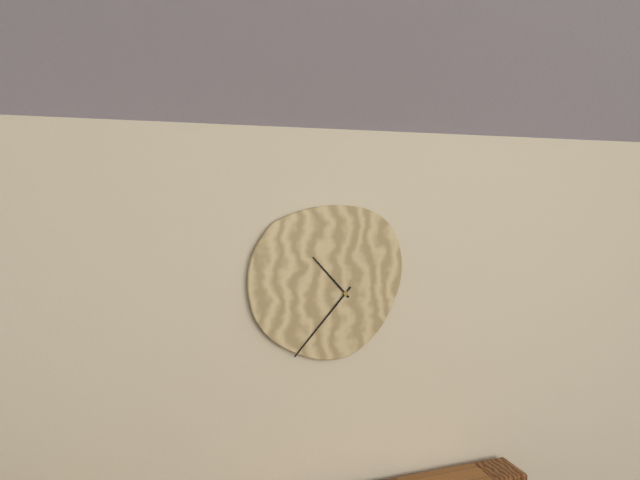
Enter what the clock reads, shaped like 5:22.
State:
10:37
